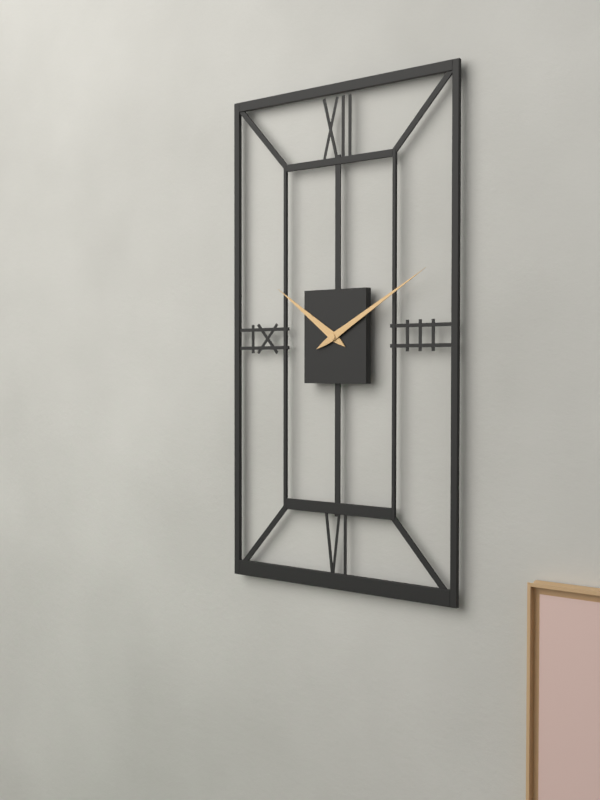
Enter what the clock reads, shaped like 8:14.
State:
10:10
